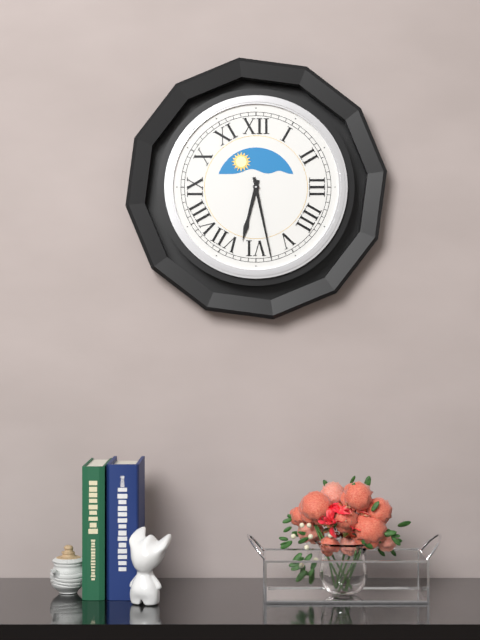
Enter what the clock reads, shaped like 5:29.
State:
6:28
